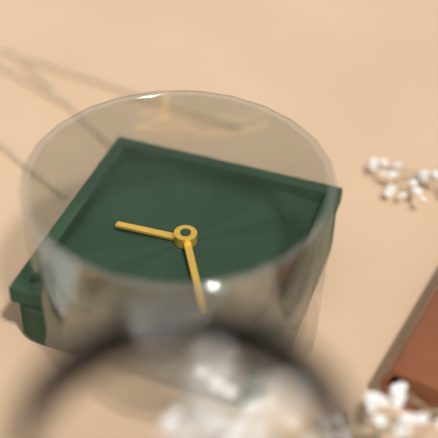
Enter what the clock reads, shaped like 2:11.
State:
2:55
